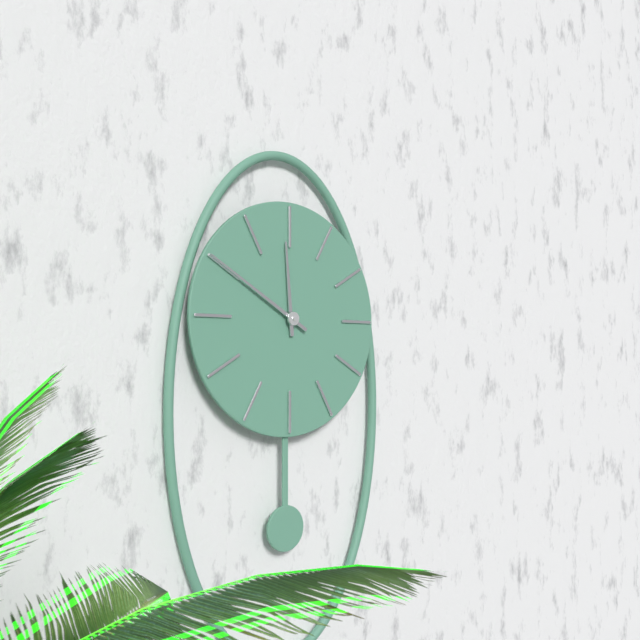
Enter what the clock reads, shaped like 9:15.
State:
11:50
